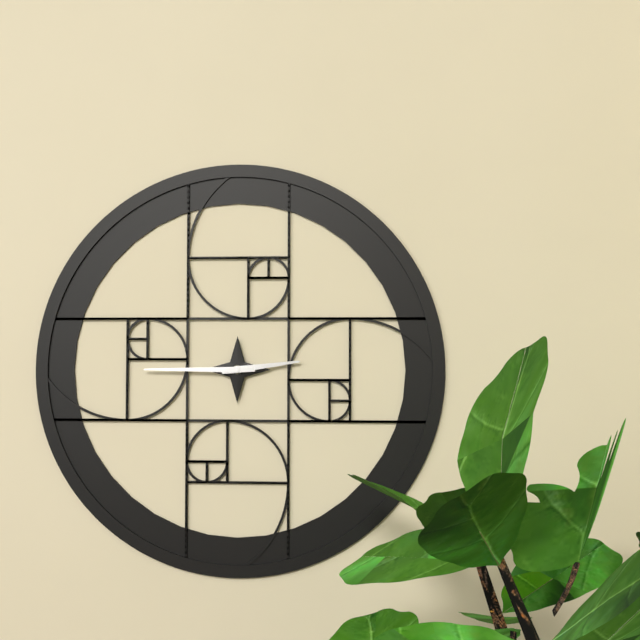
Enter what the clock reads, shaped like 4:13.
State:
2:45
